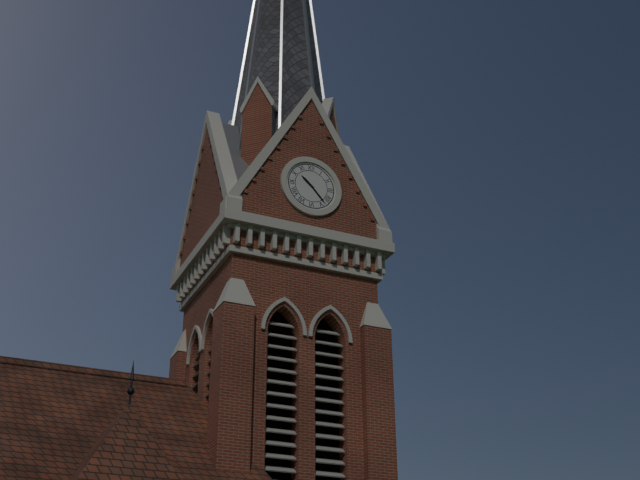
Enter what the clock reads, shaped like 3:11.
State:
10:23
